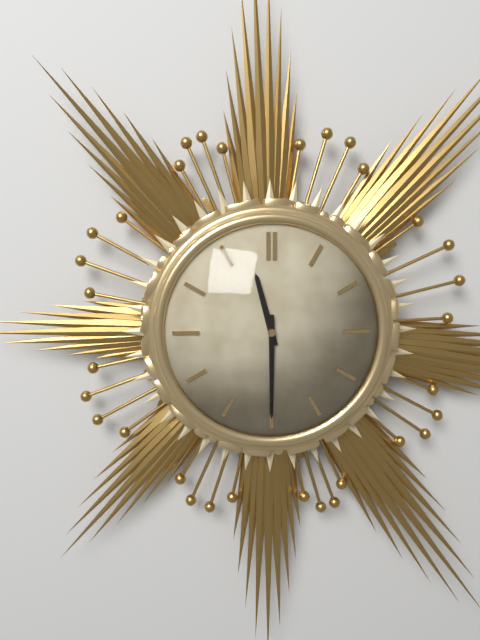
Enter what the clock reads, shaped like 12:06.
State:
11:30
